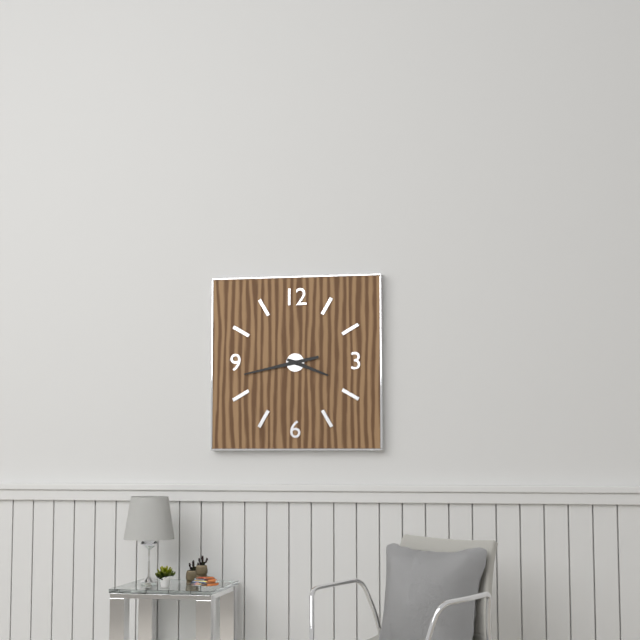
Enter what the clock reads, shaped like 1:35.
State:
3:43
